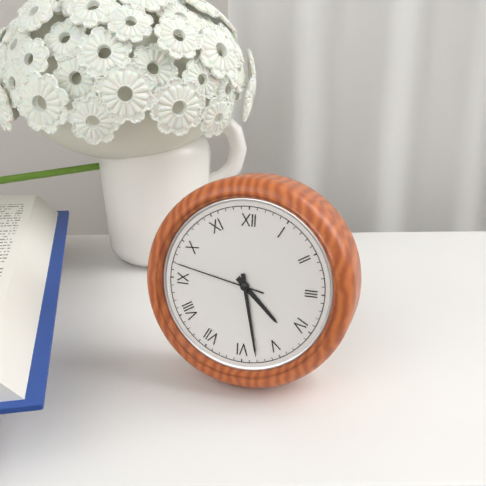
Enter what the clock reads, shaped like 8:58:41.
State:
4:28:47
